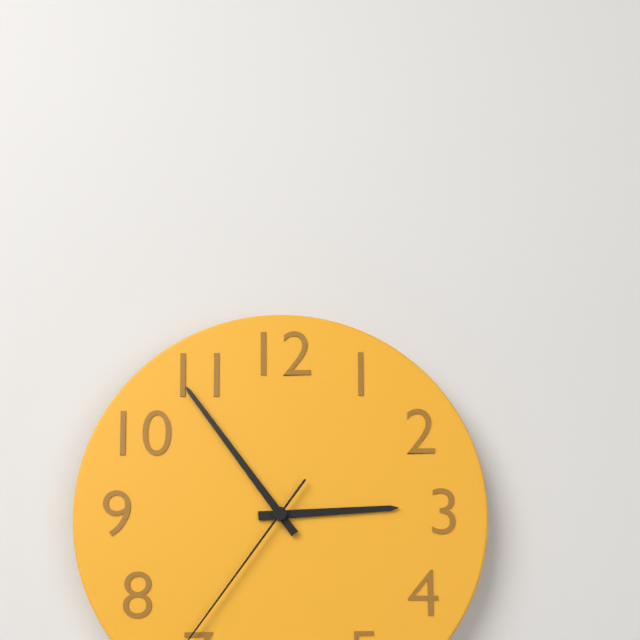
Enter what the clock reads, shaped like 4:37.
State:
2:54
